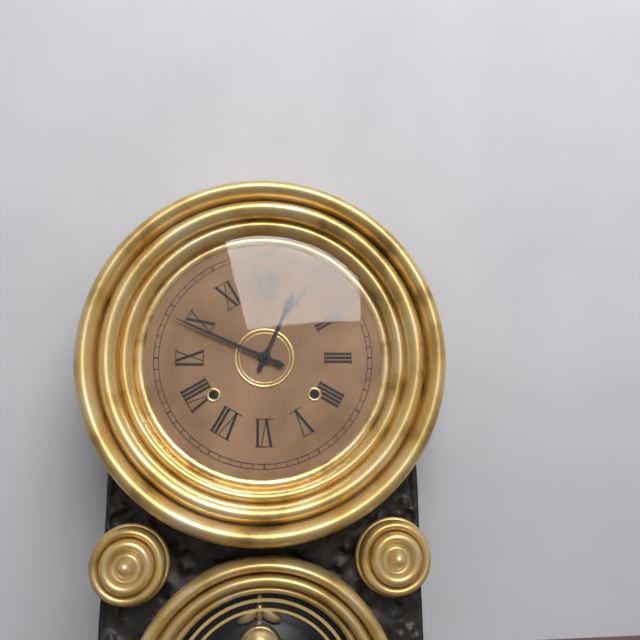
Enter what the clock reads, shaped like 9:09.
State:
12:49
